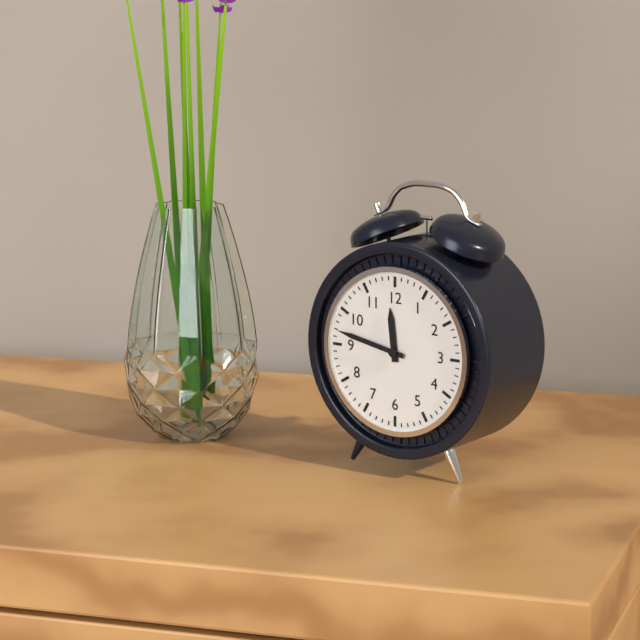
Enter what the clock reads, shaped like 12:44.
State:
11:47
